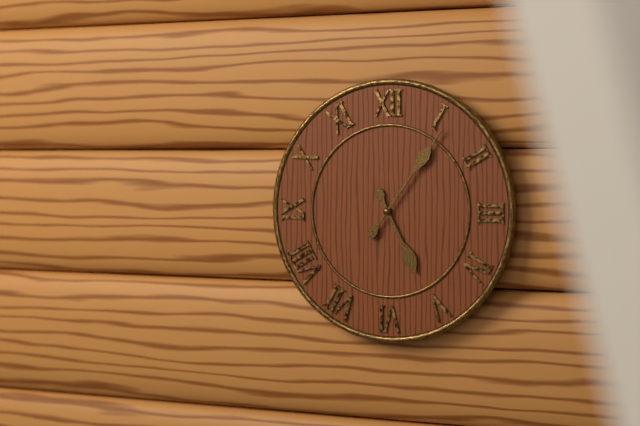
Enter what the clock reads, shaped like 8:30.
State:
5:06
